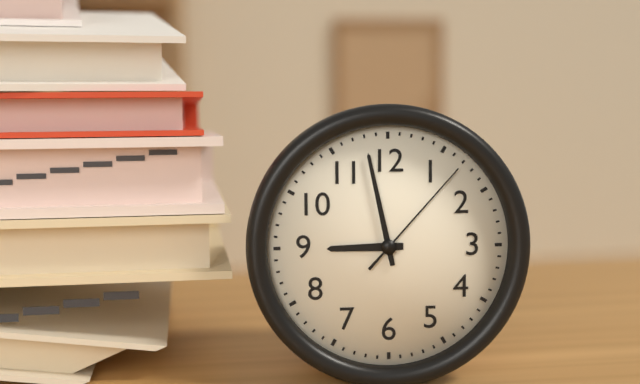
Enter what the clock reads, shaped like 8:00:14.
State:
8:58:07
